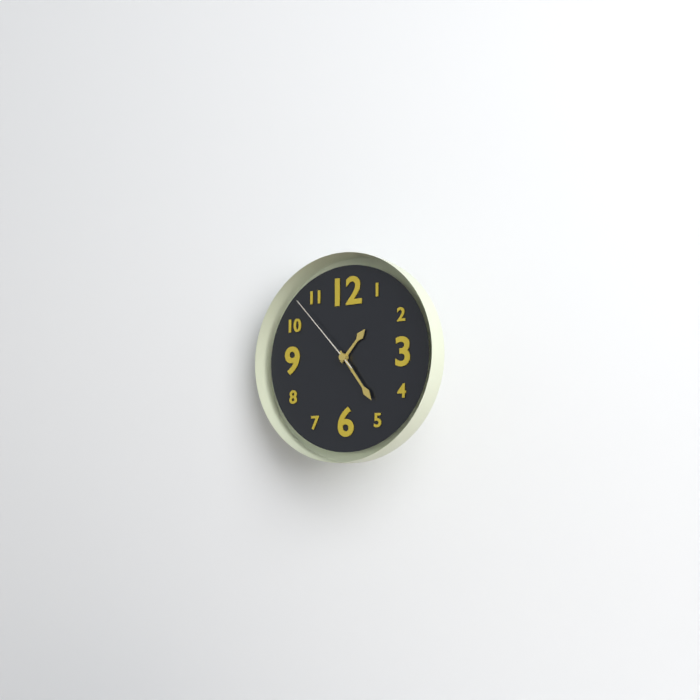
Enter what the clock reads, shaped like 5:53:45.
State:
1:24:53
